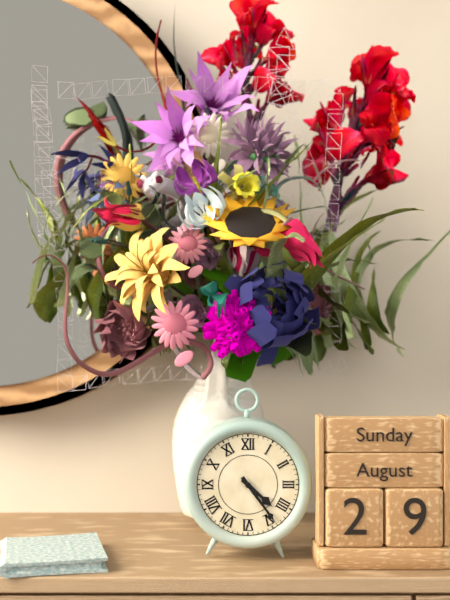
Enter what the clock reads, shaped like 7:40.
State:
4:24
